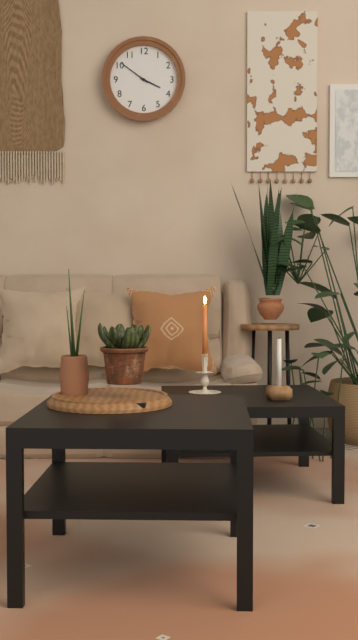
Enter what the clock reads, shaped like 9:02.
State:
3:51
